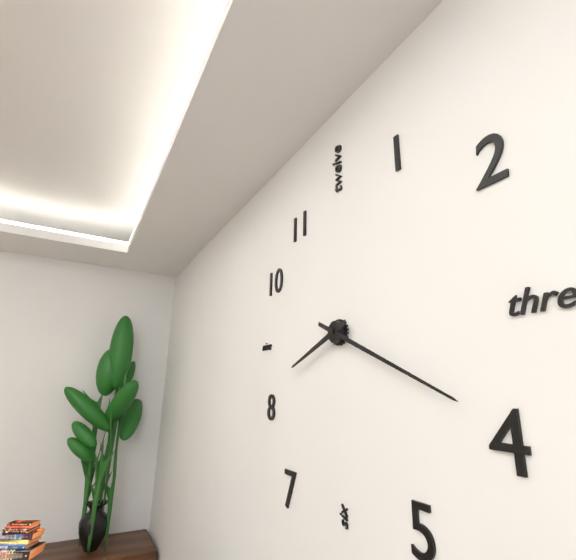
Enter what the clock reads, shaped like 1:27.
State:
8:19
